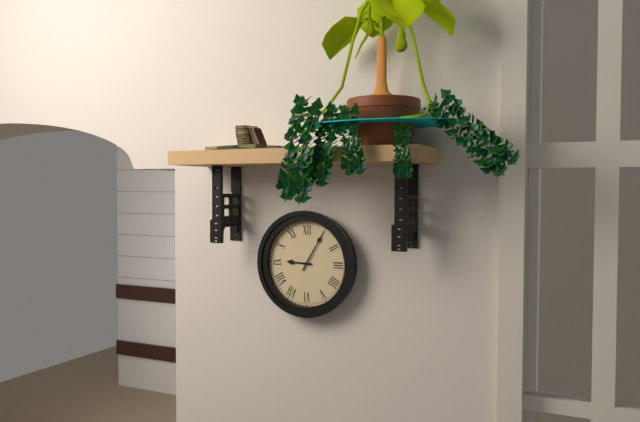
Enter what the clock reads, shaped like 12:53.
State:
9:05
